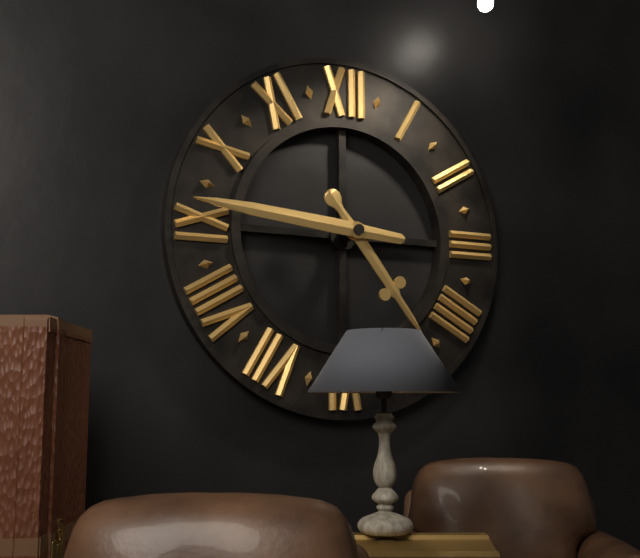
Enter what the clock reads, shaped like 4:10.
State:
4:46
